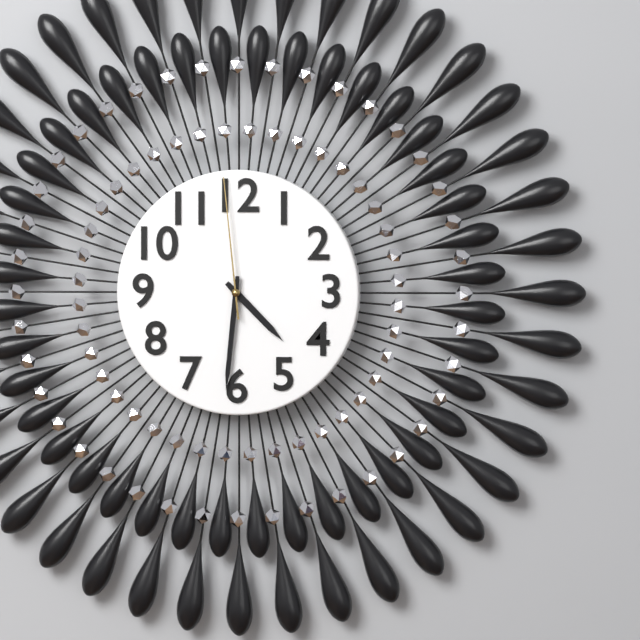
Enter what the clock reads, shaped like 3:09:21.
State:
4:31:59
